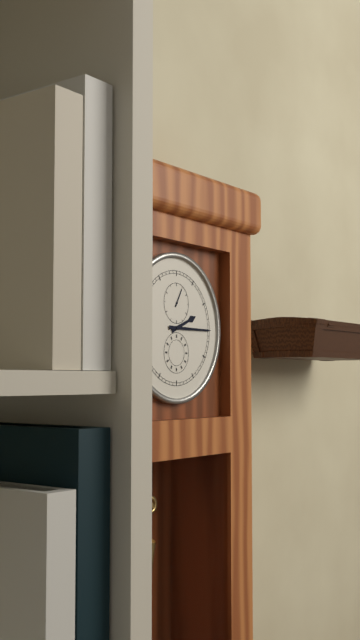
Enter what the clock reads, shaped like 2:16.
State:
2:15
